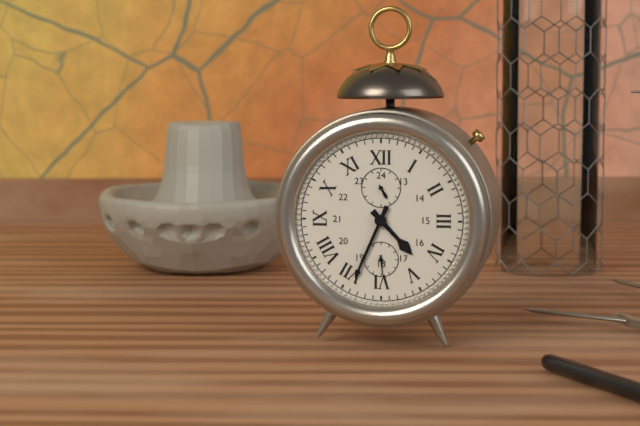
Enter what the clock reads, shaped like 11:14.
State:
4:34
